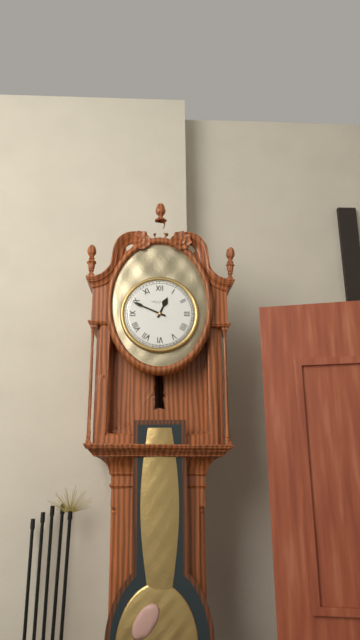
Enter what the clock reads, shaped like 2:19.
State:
12:49
